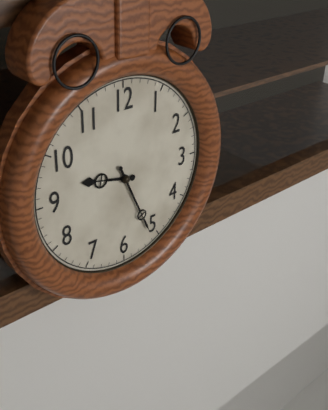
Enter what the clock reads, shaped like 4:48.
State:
9:26
